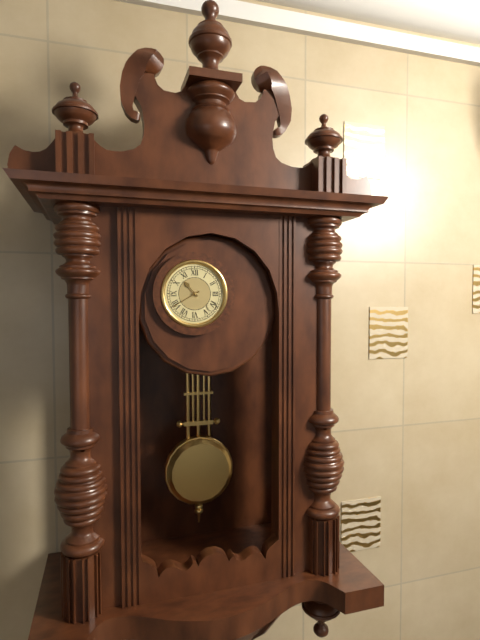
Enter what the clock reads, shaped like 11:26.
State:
10:40
